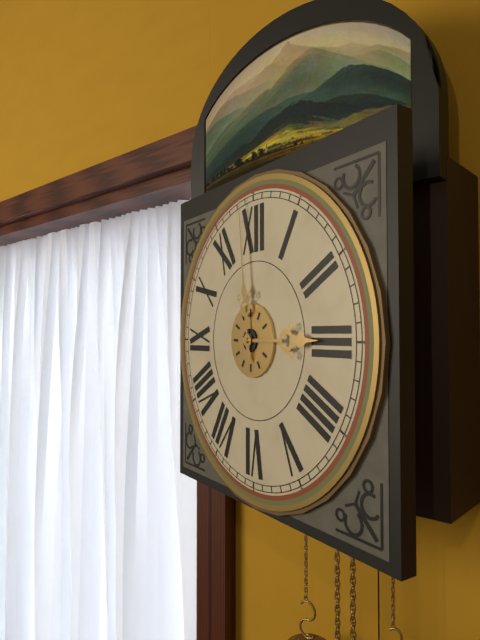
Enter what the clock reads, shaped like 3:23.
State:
2:59
